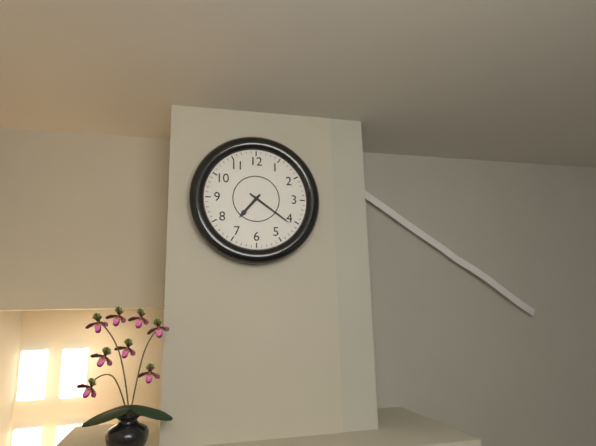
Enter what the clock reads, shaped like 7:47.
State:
7:21
